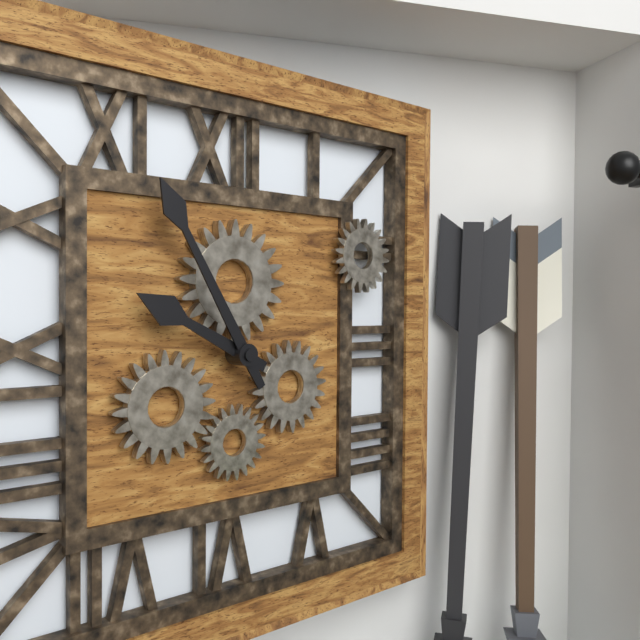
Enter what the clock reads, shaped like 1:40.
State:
9:55
